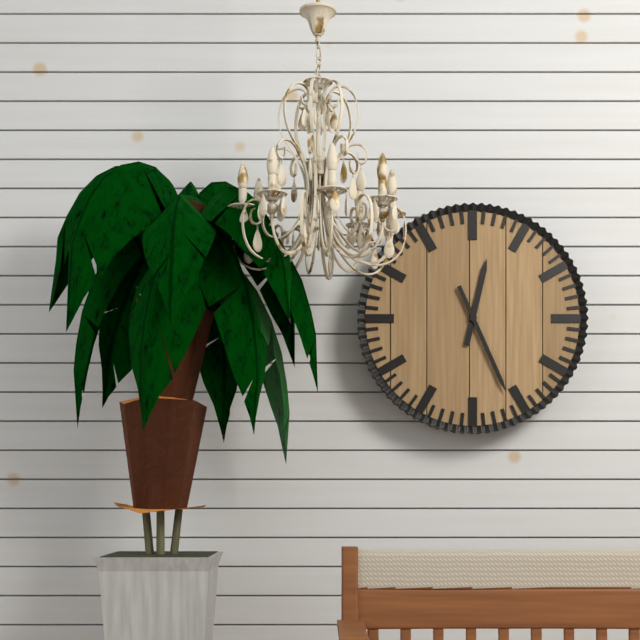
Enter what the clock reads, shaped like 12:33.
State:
12:26
